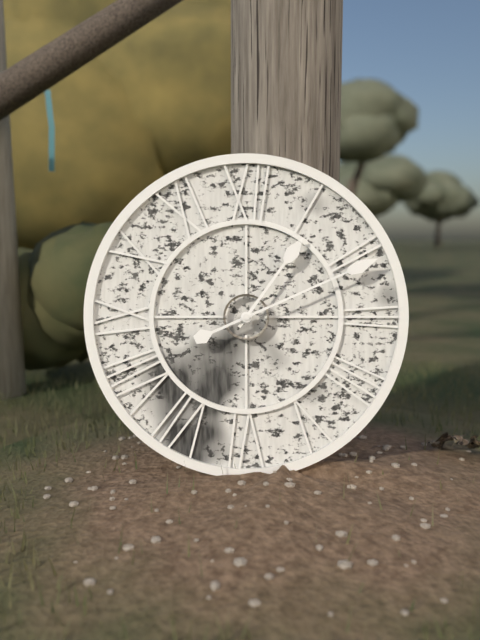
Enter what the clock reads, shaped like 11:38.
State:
1:11
